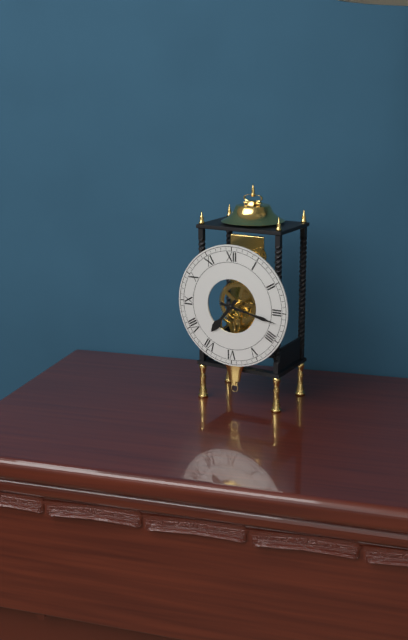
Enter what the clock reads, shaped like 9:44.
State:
7:17
